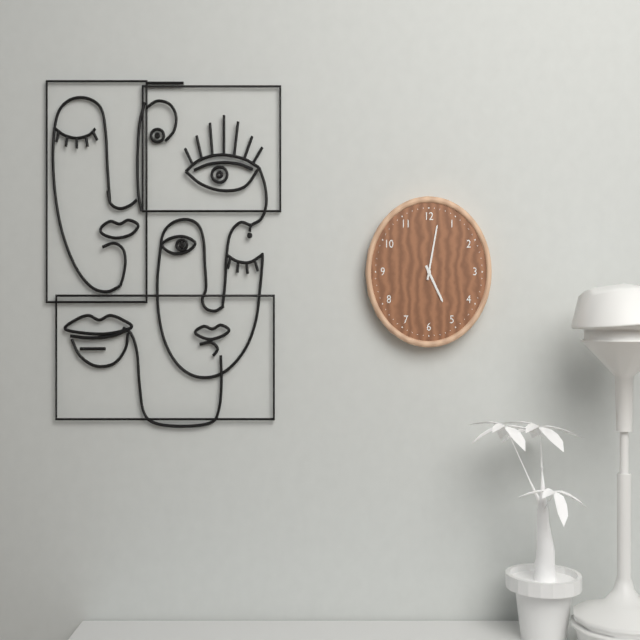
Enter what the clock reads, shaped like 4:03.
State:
5:02
